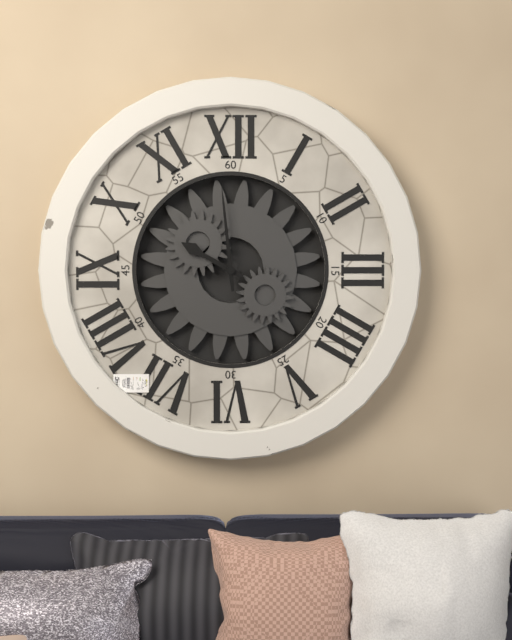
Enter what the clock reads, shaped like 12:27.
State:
9:59
